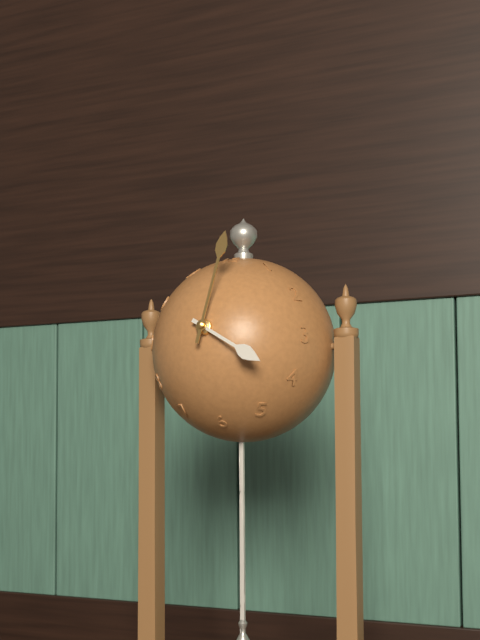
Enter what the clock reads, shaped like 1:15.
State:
4:02
